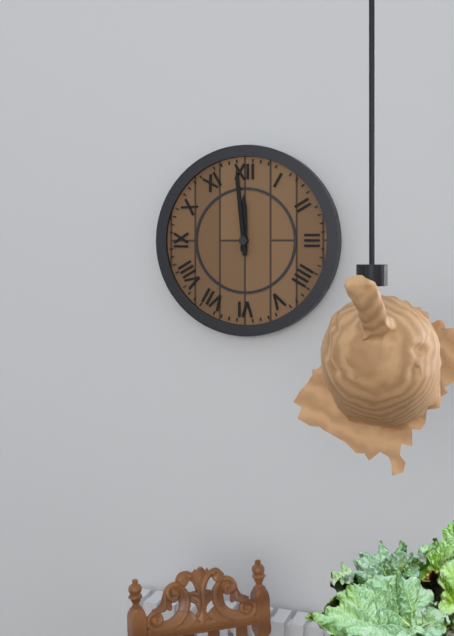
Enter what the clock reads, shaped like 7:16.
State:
11:59
